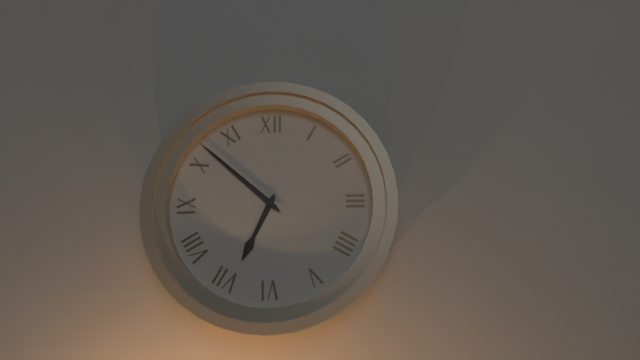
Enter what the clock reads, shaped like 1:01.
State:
6:52
